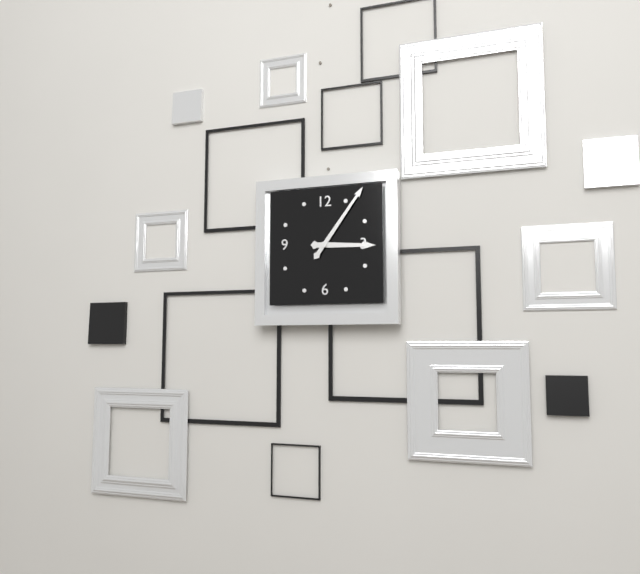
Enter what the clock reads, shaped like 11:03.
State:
3:06
